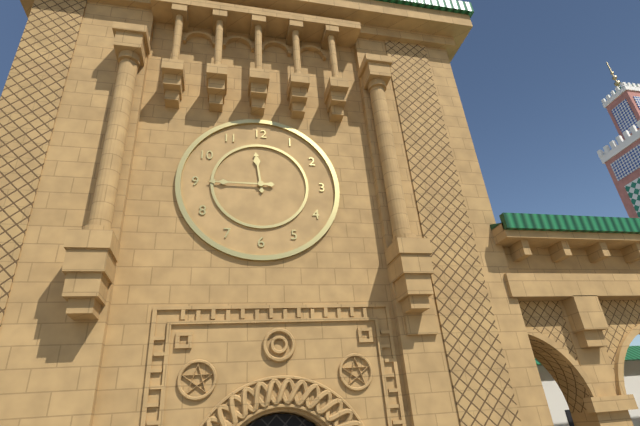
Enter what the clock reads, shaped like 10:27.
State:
11:45
